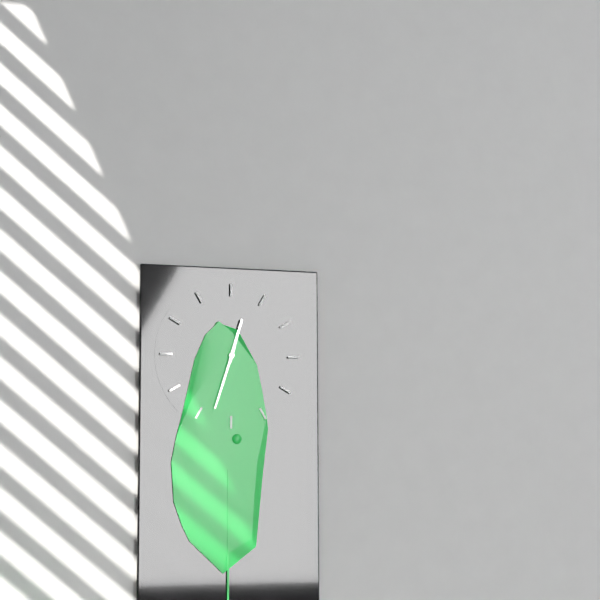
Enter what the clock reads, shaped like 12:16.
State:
12:33
